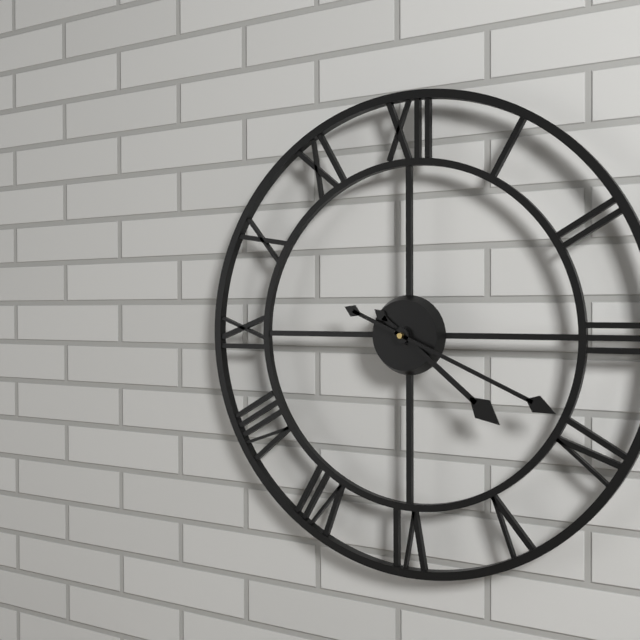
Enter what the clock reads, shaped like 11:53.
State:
4:19
